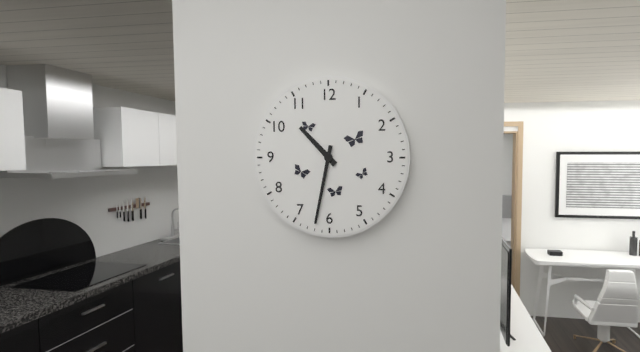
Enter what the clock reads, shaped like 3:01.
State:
10:32
